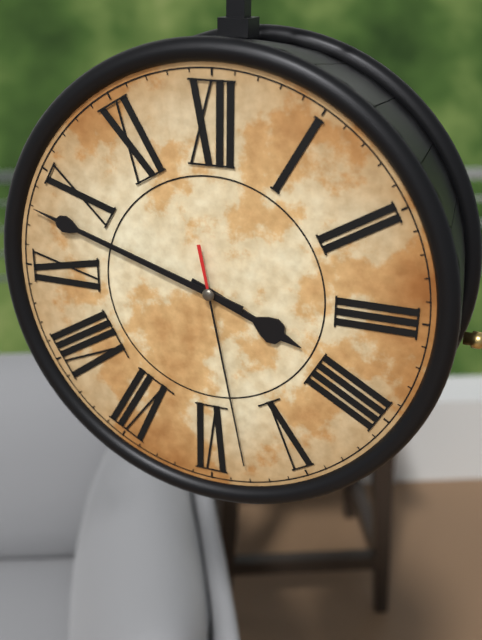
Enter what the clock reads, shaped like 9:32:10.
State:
3:48:28
